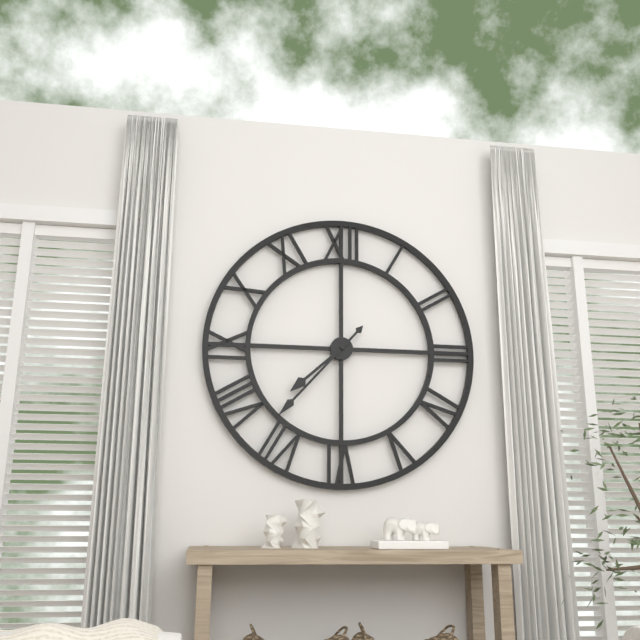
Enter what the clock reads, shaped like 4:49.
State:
7:37
